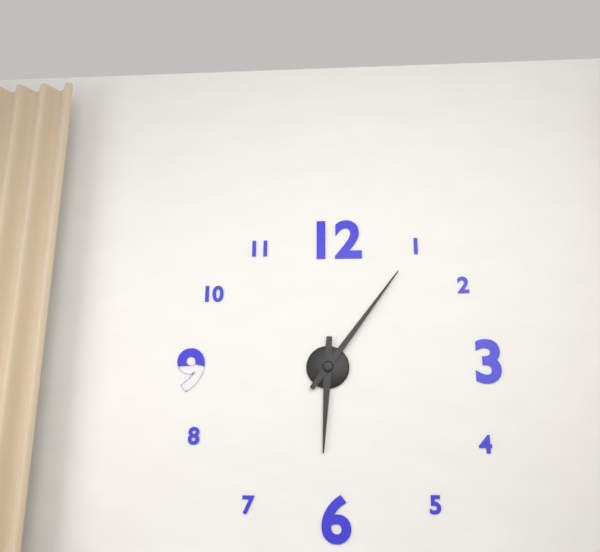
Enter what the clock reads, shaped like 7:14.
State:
6:06
